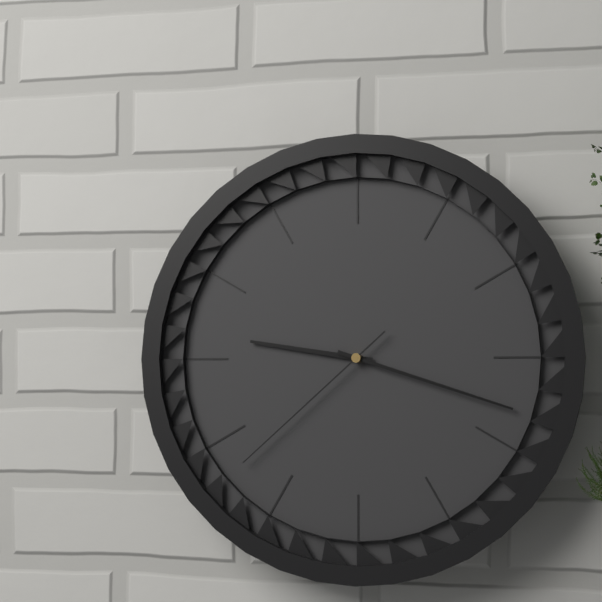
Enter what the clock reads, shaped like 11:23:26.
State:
9:18:38
